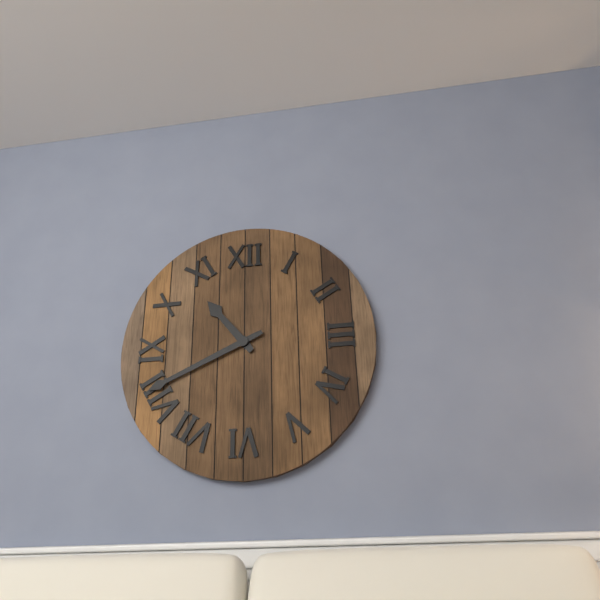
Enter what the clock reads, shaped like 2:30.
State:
10:41
